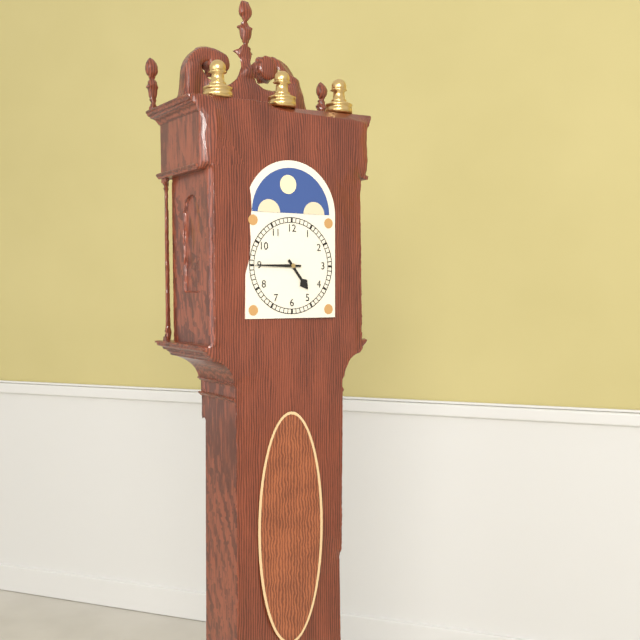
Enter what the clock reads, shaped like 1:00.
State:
4:45
